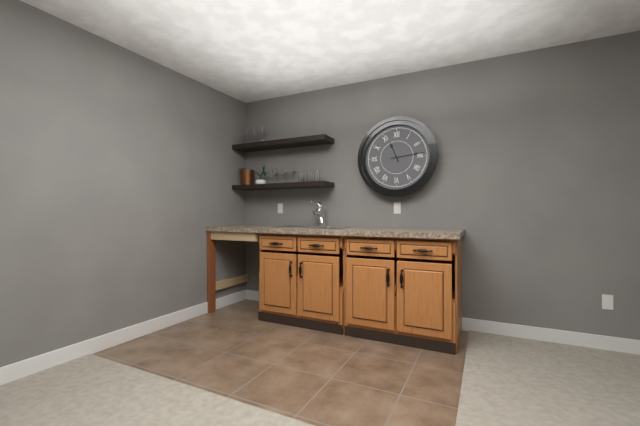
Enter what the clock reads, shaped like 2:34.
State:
11:14
